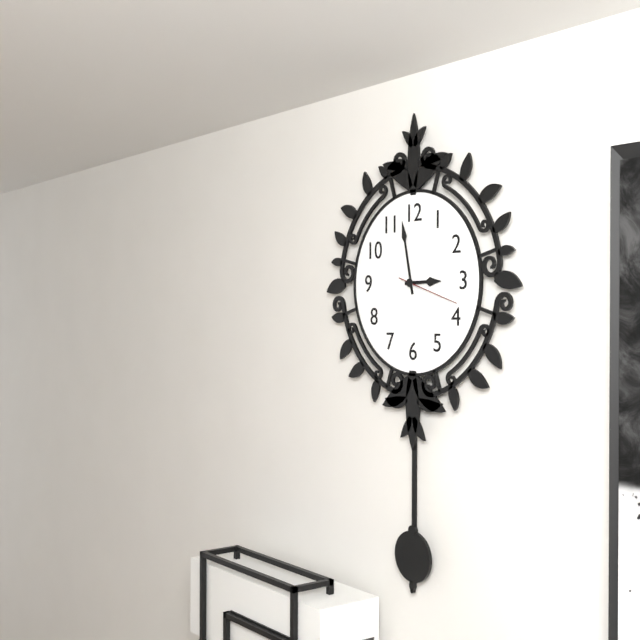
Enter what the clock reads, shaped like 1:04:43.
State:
2:58:18
